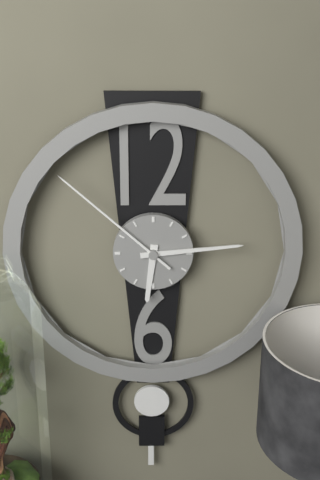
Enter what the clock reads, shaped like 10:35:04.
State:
6:14:52
